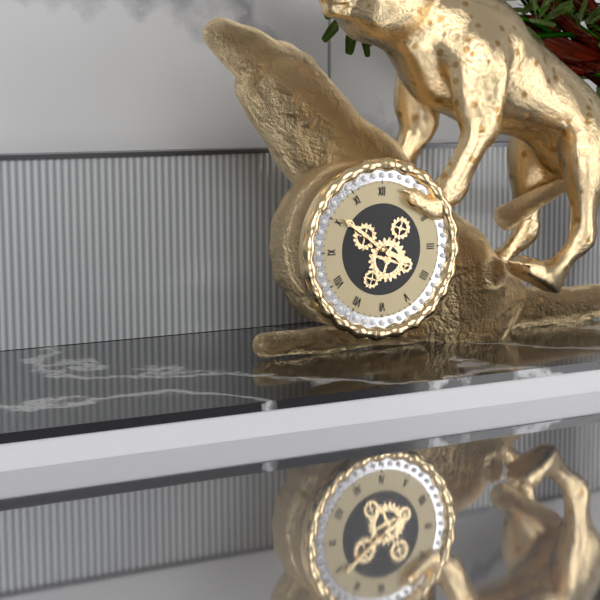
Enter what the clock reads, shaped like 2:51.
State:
3:51
